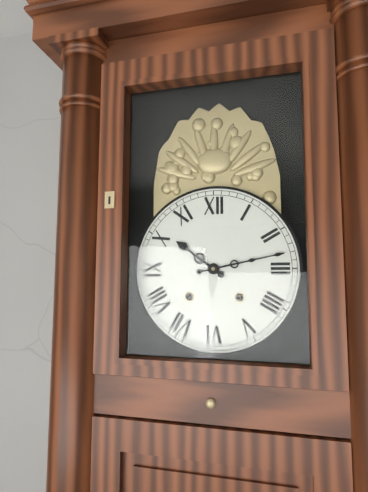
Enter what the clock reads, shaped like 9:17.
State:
10:13
